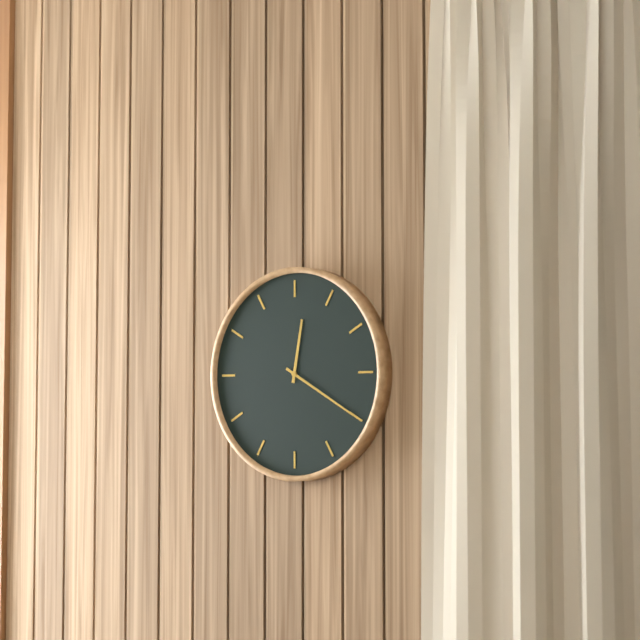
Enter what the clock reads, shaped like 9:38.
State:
12:20
